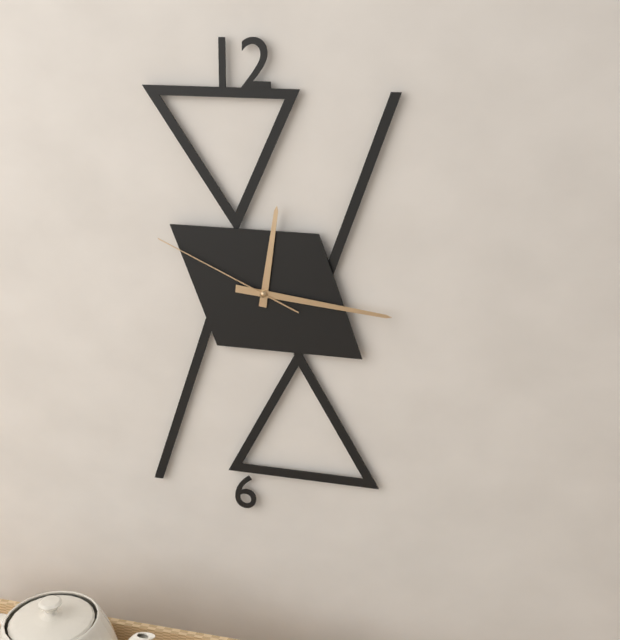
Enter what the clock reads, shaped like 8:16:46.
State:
12:16:49
